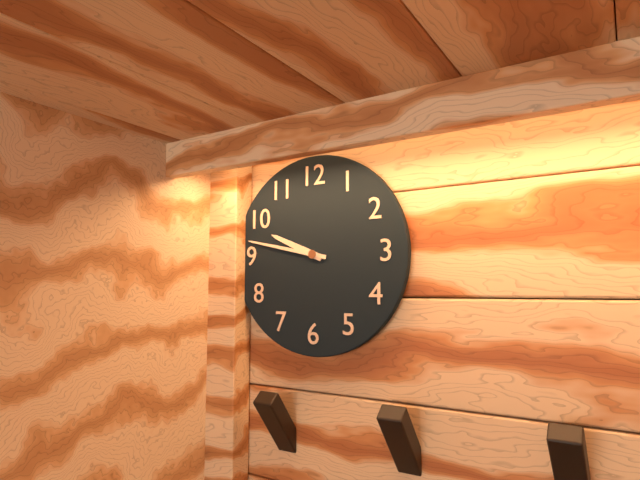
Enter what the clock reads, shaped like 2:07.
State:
9:47
